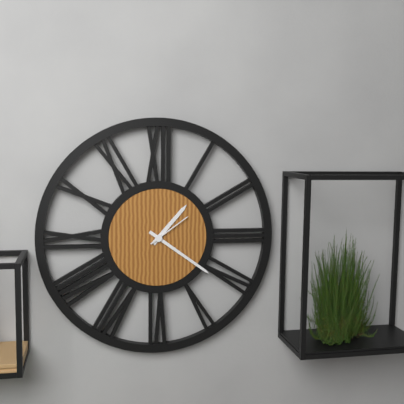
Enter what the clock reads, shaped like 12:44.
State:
1:21
